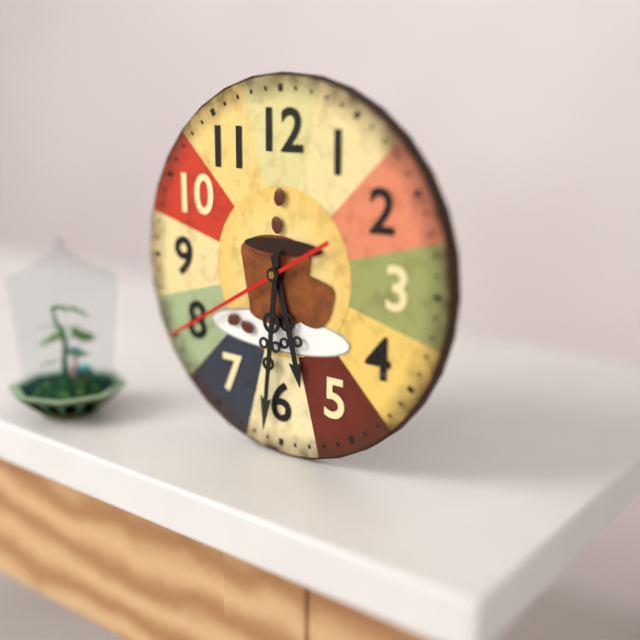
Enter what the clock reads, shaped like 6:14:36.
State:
5:31:40
